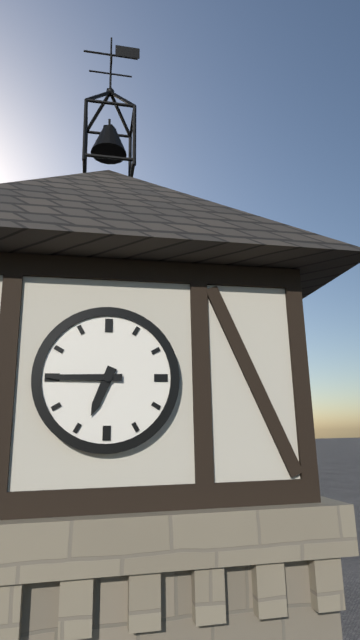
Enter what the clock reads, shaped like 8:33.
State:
6:45
